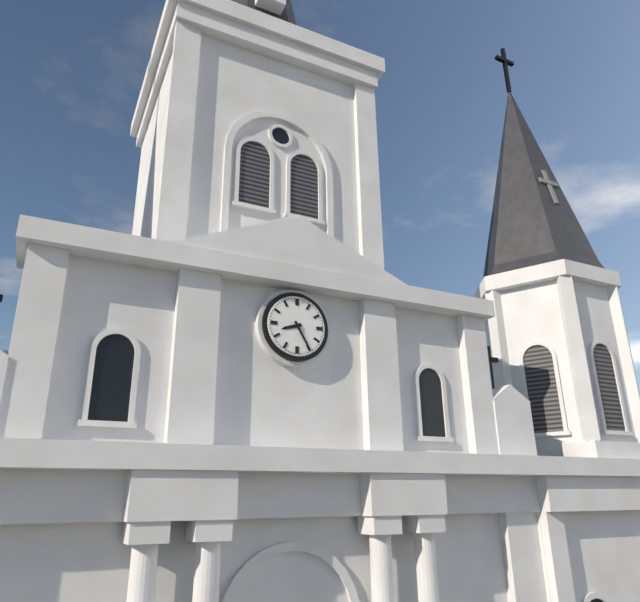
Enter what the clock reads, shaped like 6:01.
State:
8:25
